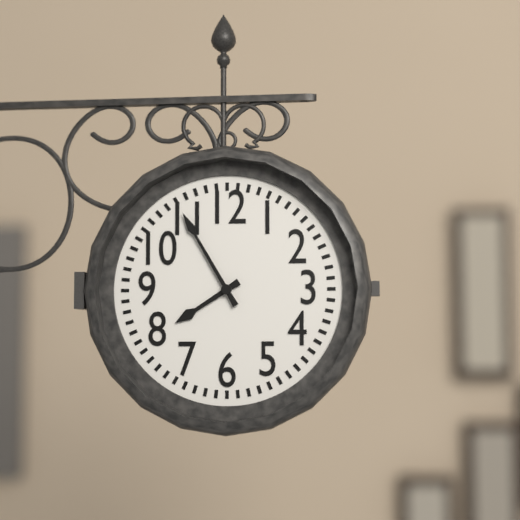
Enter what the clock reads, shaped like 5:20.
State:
7:55
